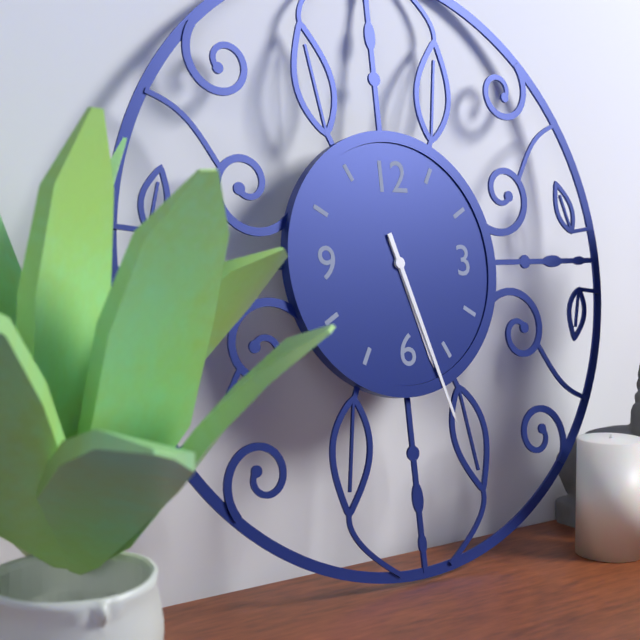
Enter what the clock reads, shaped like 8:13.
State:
5:27
